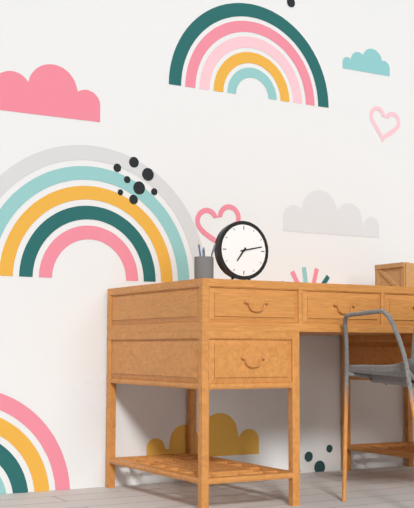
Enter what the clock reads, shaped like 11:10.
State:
7:13
